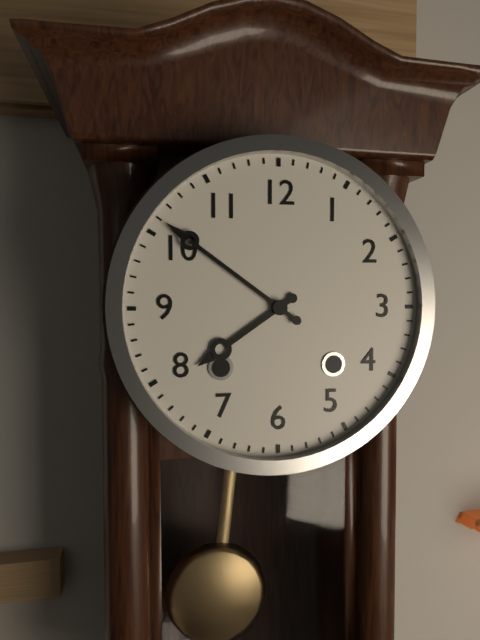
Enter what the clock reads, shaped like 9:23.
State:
7:51
